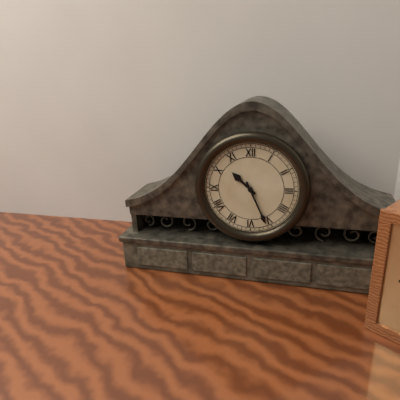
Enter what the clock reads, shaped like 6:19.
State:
10:26
